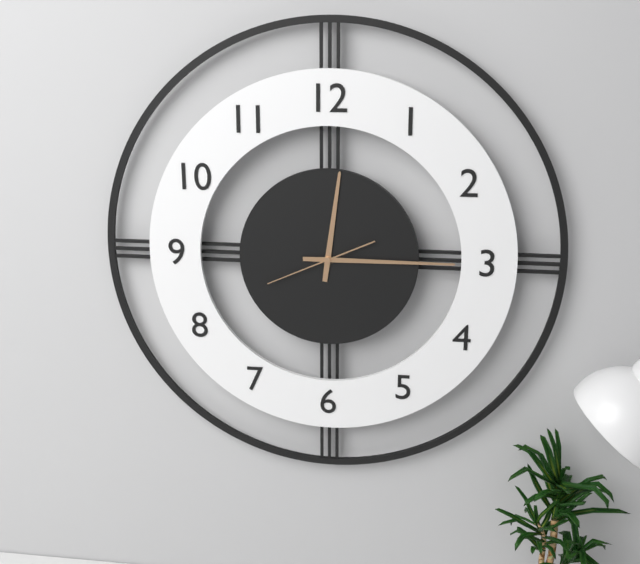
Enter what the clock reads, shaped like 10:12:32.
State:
12:15:41
